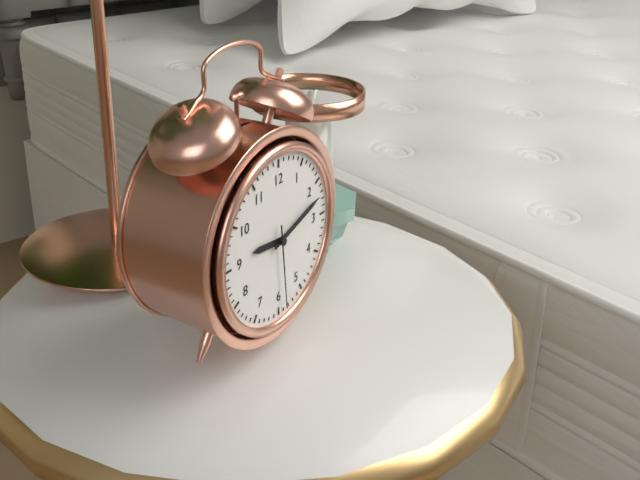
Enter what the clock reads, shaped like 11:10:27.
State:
9:12:29
